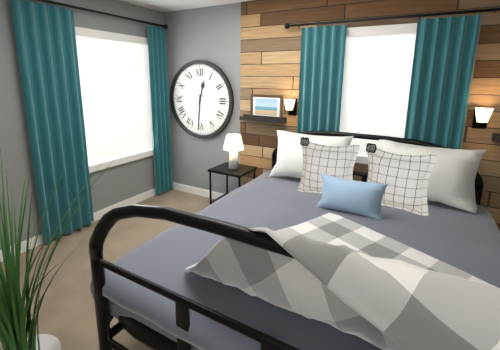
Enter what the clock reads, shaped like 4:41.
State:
12:31
